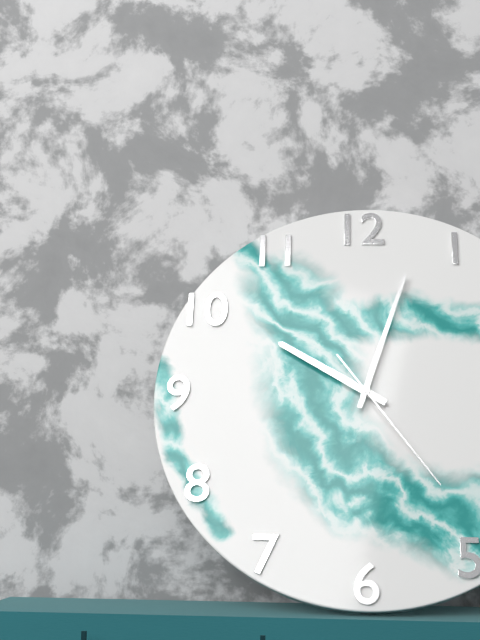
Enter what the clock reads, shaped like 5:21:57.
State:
10:03:24
